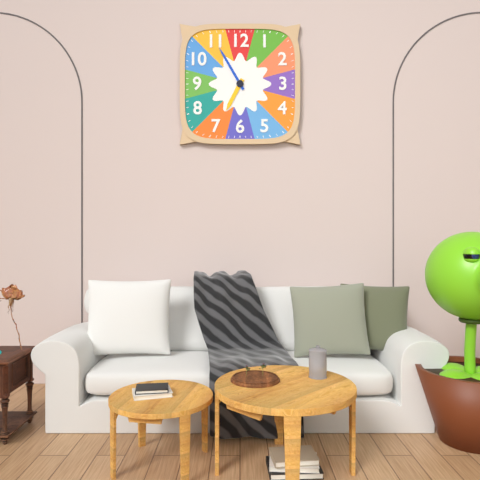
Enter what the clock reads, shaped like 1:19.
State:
6:55
